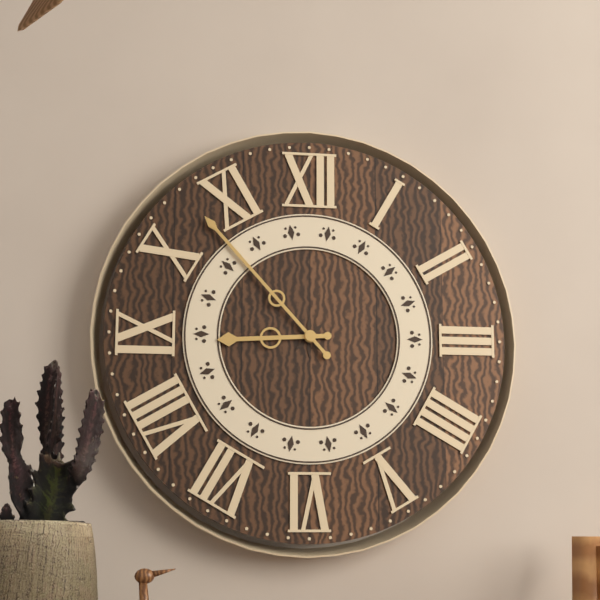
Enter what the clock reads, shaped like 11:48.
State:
8:53
